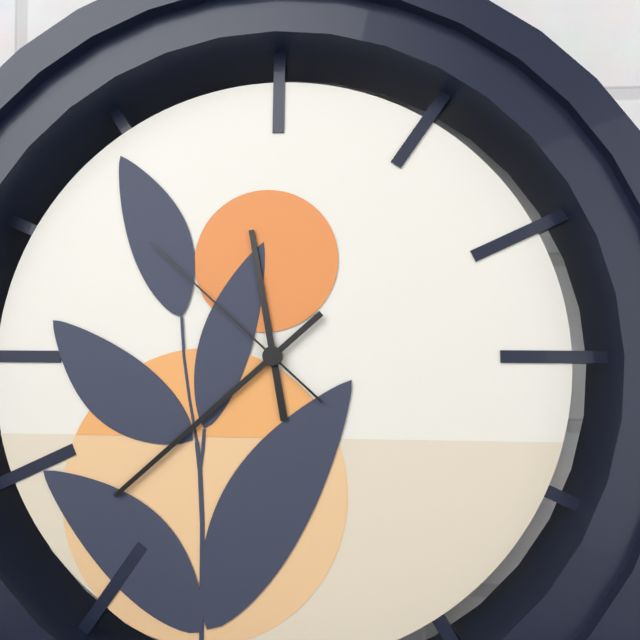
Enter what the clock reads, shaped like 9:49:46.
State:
11:38:52
